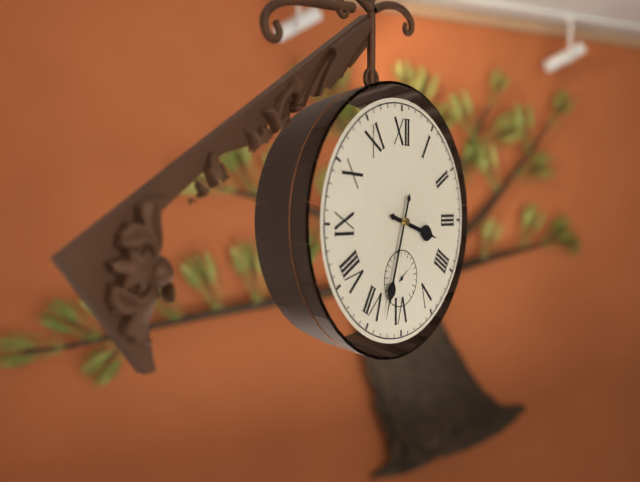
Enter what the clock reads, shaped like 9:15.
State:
3:33
